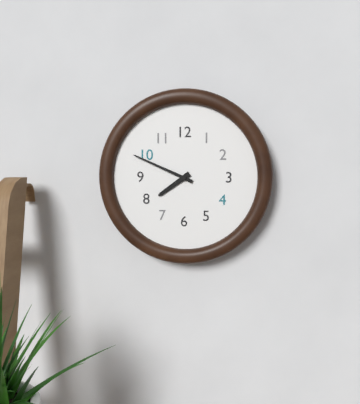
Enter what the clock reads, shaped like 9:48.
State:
7:49
